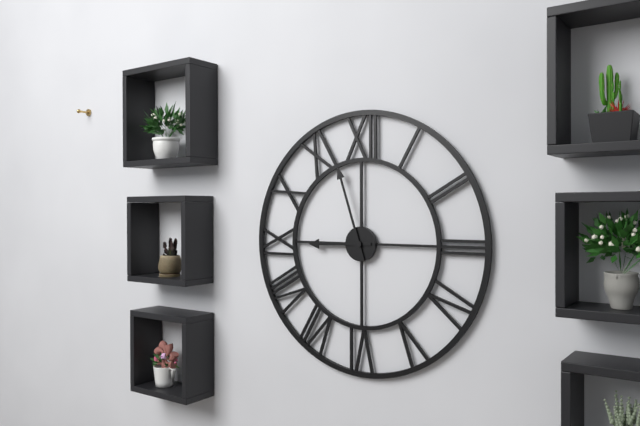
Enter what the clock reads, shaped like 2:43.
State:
8:57
